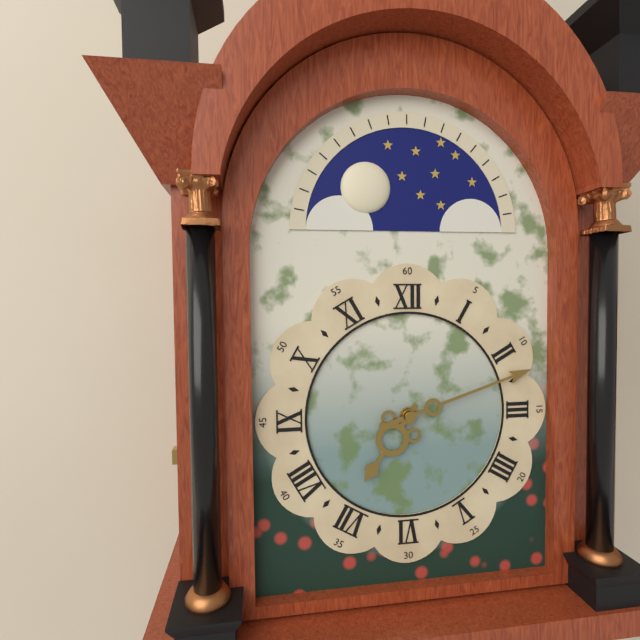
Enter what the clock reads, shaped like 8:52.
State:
7:12
